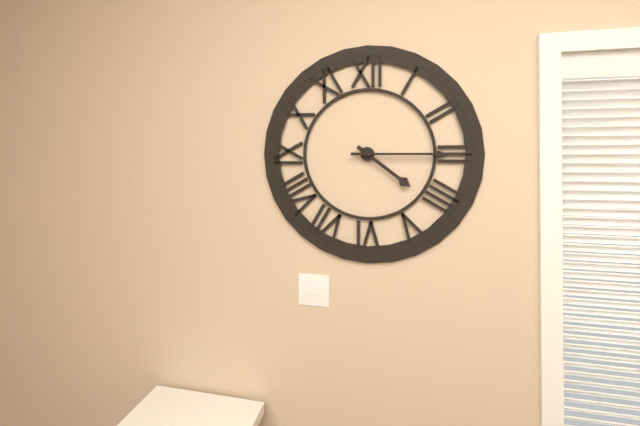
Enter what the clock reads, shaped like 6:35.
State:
4:15
